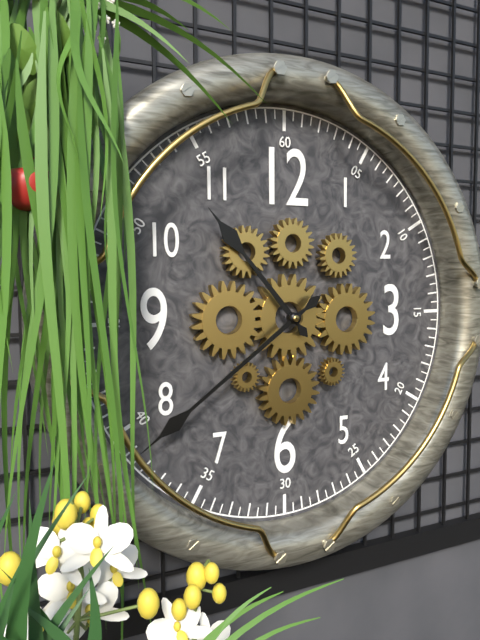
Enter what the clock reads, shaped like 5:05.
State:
10:39
